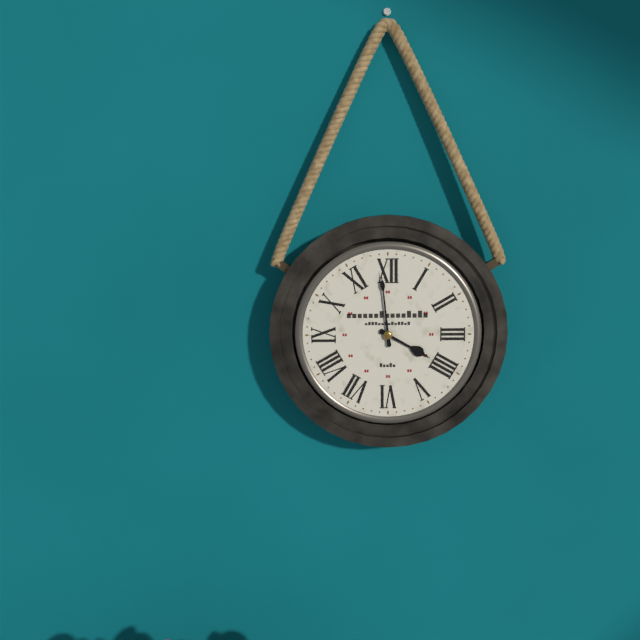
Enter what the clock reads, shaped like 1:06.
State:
3:59
